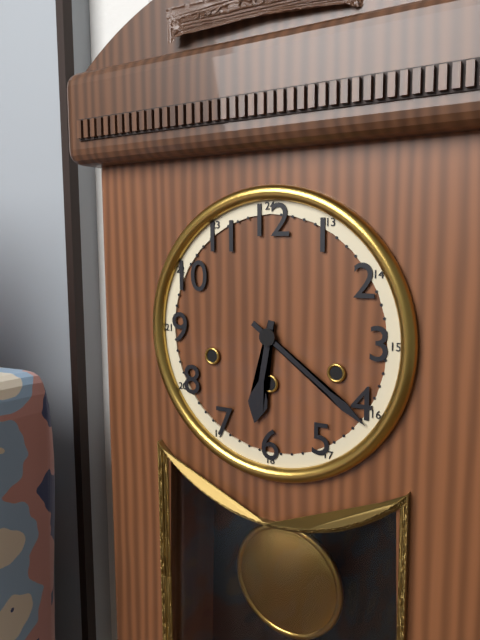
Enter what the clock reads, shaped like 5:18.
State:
6:21
